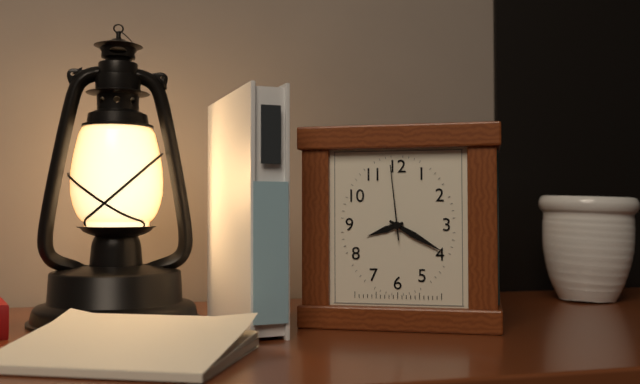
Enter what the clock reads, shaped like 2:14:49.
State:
8:20:59
